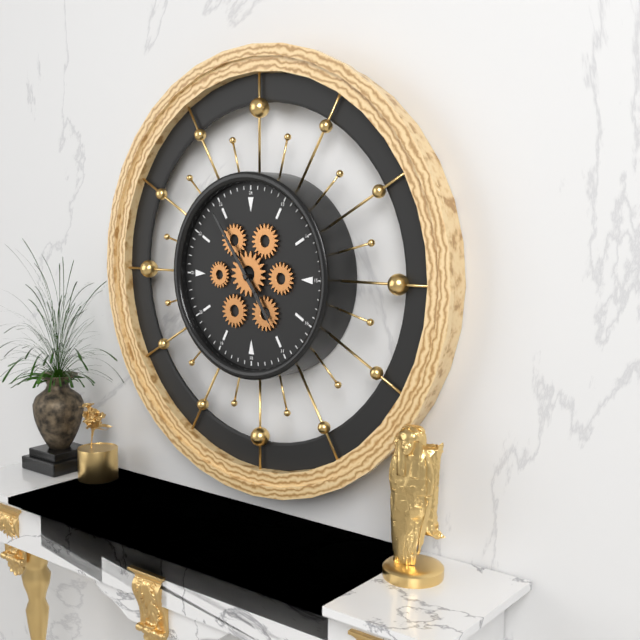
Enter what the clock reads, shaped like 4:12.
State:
4:54
